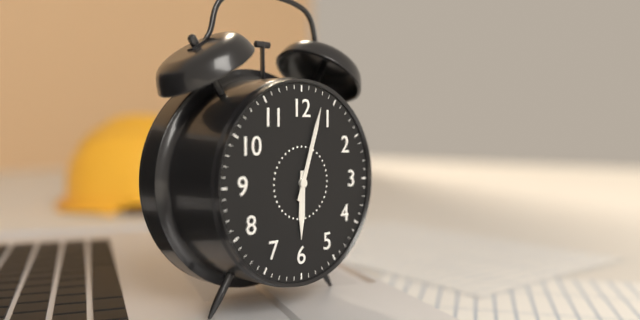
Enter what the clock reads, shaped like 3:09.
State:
6:03
